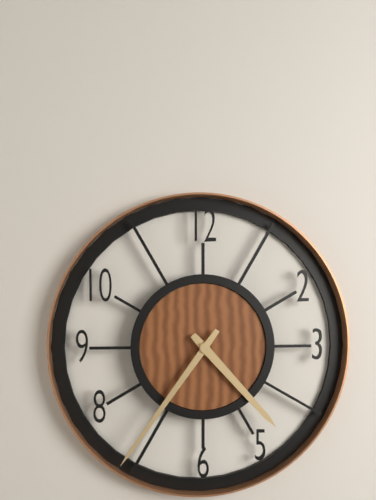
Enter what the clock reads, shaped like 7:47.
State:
4:36
